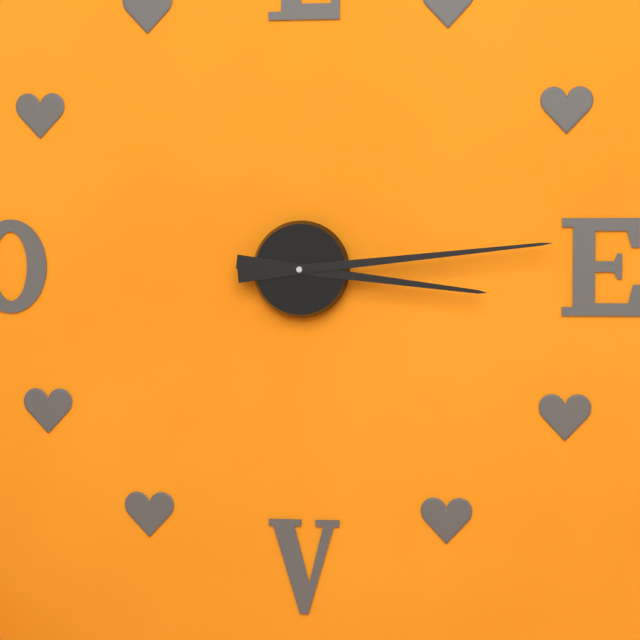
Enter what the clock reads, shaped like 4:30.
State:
3:14
